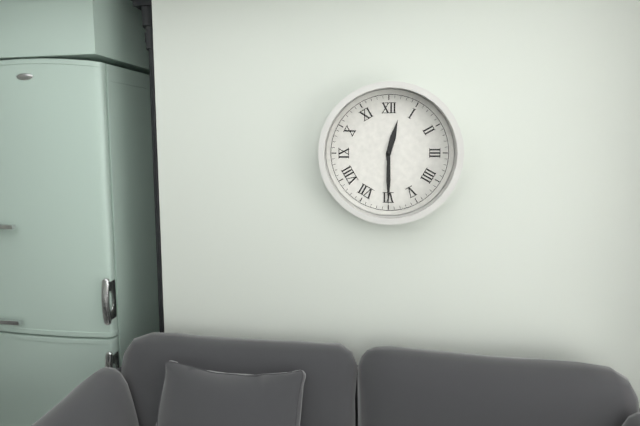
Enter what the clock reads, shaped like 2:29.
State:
12:30
